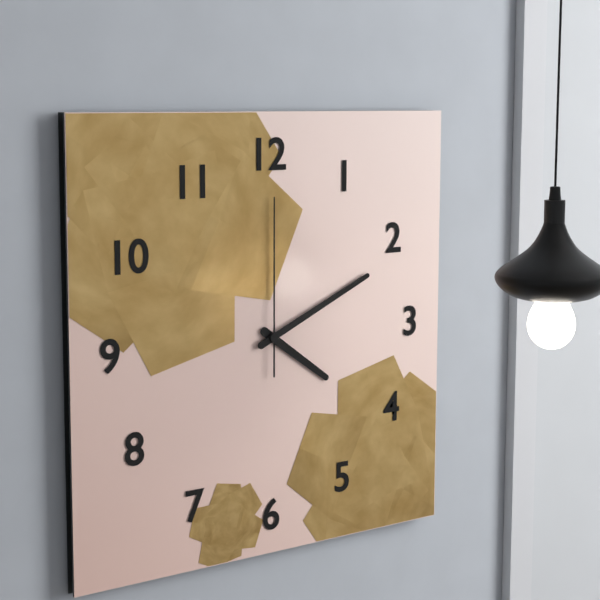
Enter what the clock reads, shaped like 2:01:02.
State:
4:11:00
